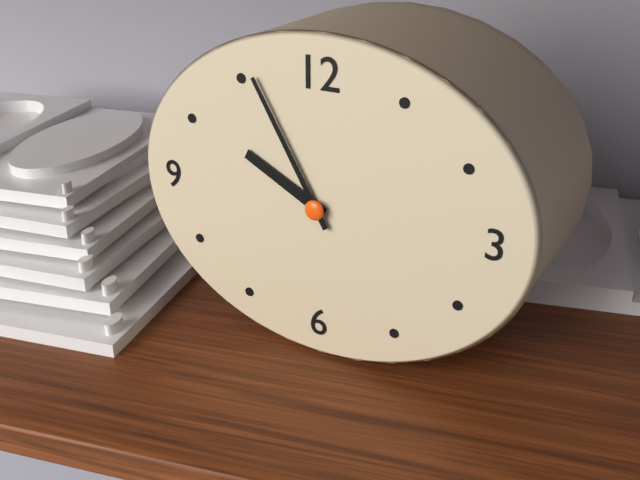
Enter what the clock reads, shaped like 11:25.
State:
9:55
